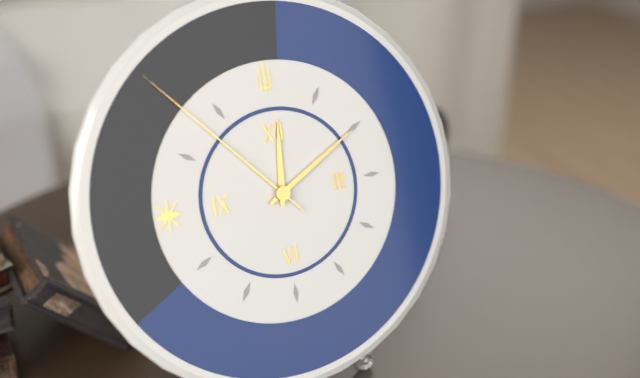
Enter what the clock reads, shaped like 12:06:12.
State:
12:10:53
